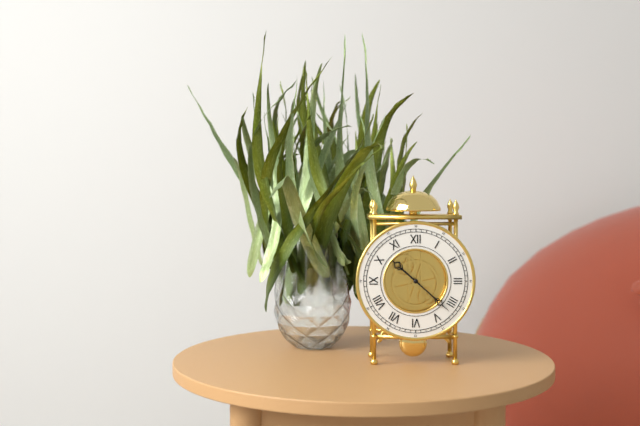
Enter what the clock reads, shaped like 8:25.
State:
10:22
